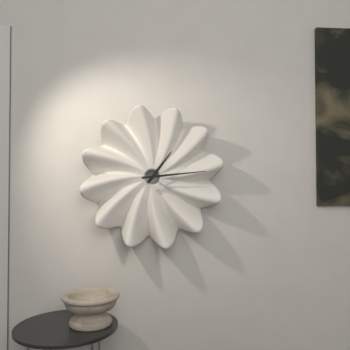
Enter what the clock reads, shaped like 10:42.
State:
1:14
